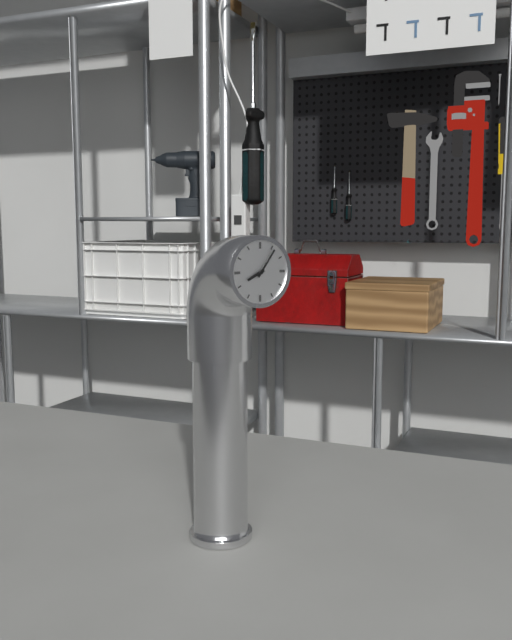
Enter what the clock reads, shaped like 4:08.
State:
8:06
